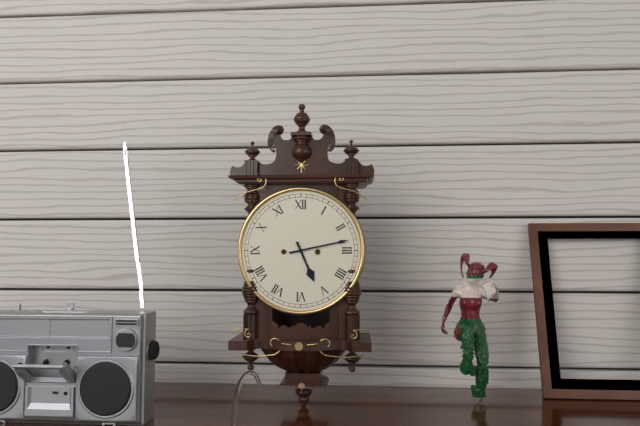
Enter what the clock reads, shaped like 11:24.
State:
5:13
